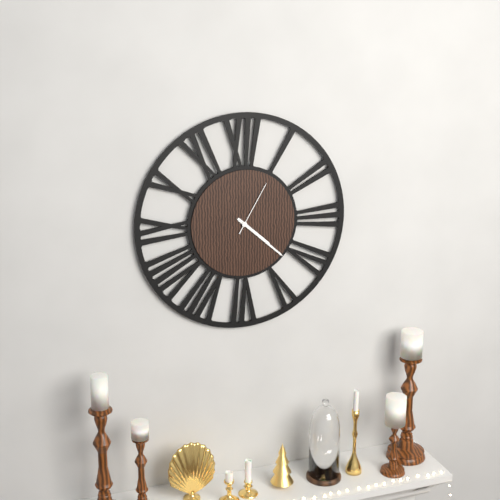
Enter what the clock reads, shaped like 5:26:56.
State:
4:22:05
